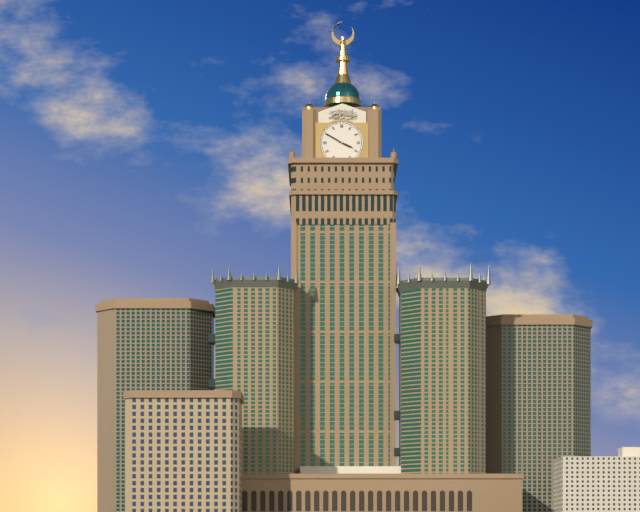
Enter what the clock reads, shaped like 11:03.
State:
3:50
